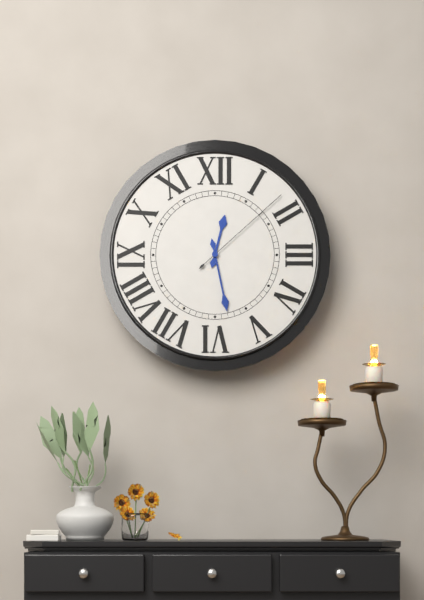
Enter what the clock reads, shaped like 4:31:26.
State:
12:28:08
